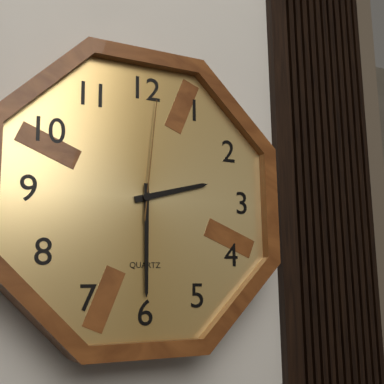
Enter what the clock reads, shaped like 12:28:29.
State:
2:30:01
